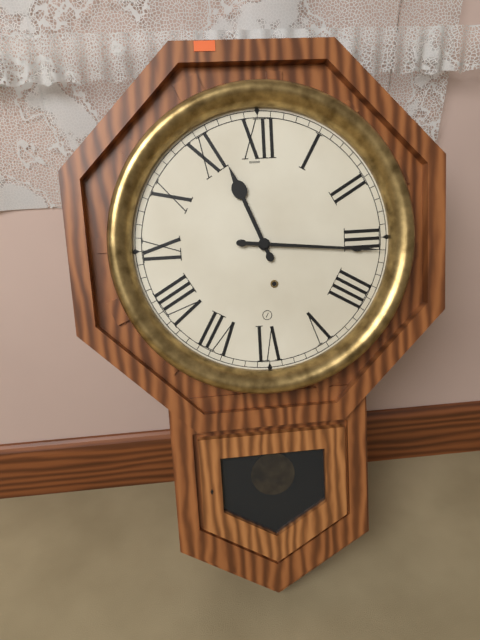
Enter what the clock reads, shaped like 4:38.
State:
11:16
